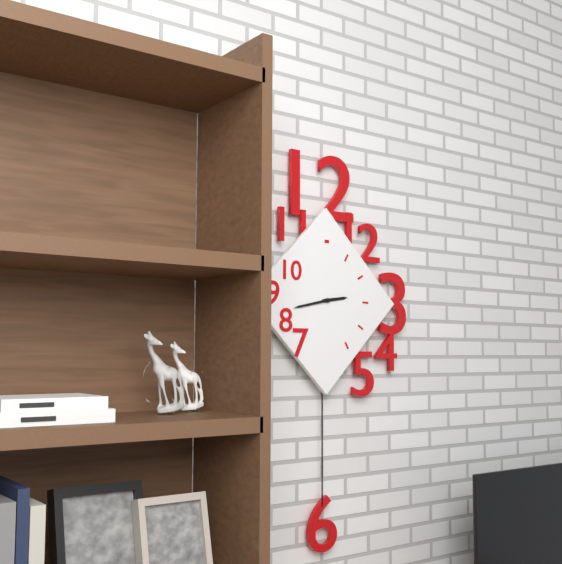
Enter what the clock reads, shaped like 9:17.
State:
2:43
